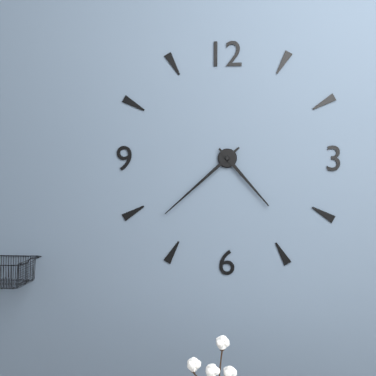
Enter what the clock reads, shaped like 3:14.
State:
4:38
